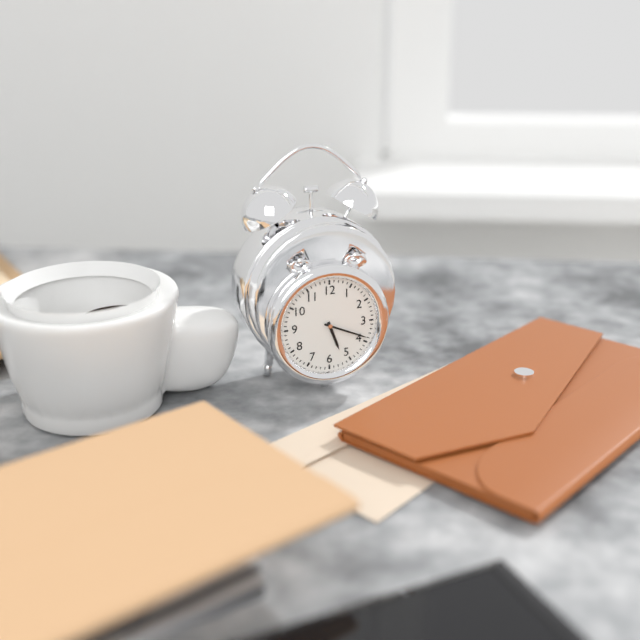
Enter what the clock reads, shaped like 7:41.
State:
5:19
